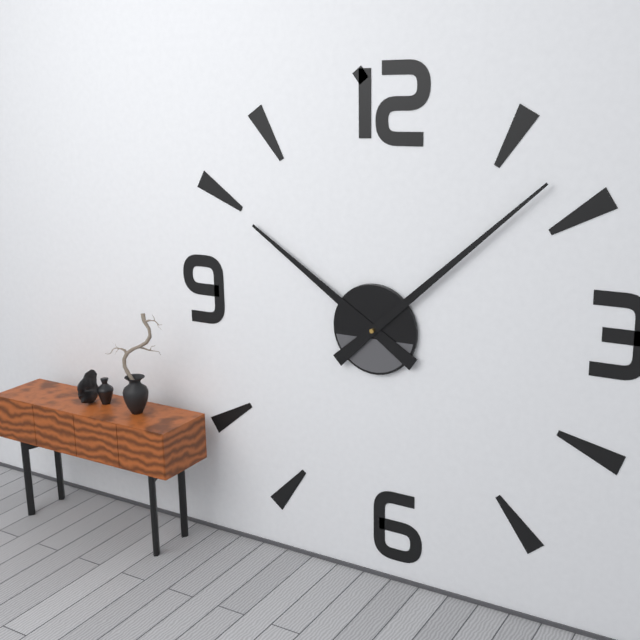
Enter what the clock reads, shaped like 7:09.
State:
10:08
